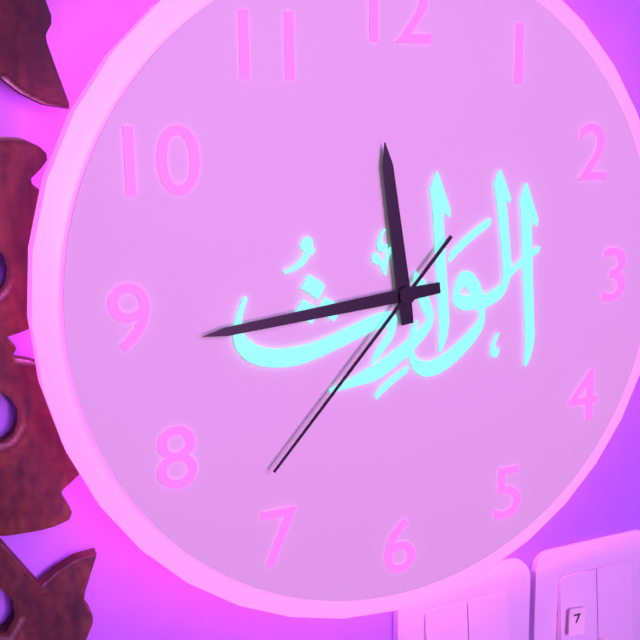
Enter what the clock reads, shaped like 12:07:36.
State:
11:44:37
